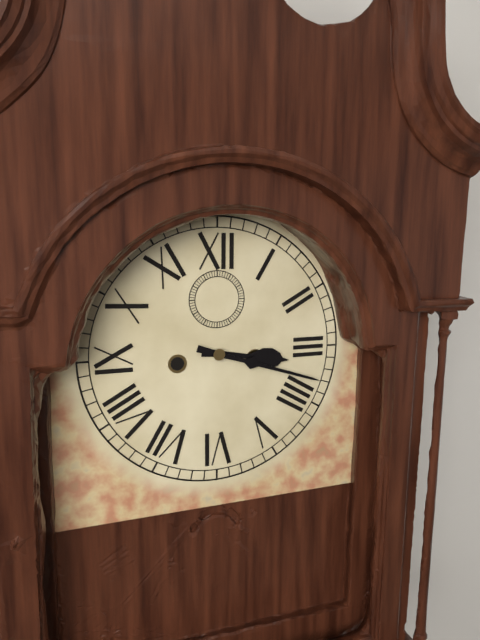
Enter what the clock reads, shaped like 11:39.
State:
3:18
